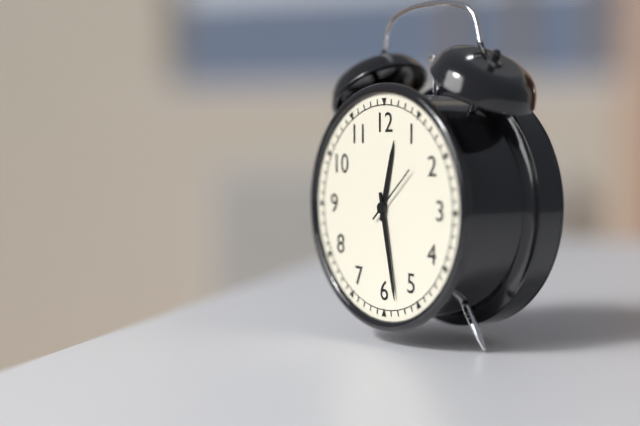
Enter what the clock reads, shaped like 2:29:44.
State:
12:28:08
